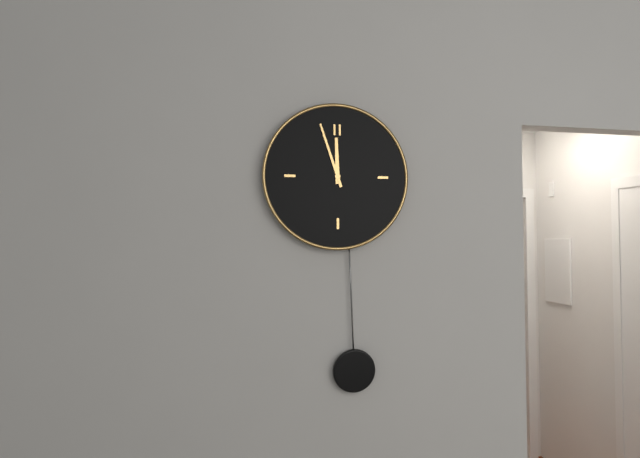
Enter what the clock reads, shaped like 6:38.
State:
11:57
